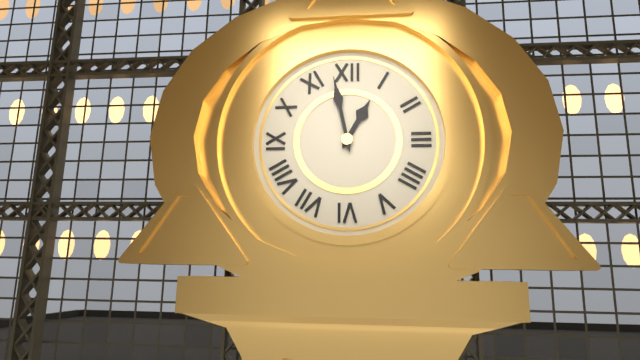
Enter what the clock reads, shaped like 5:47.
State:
12:58
